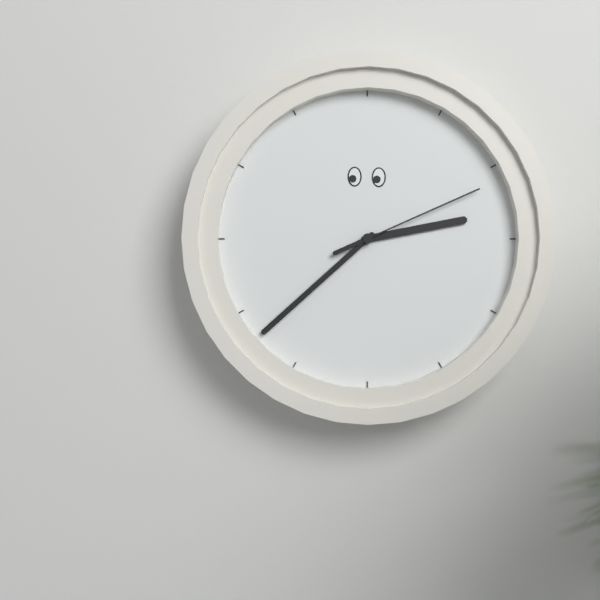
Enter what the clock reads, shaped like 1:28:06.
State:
2:38:11
